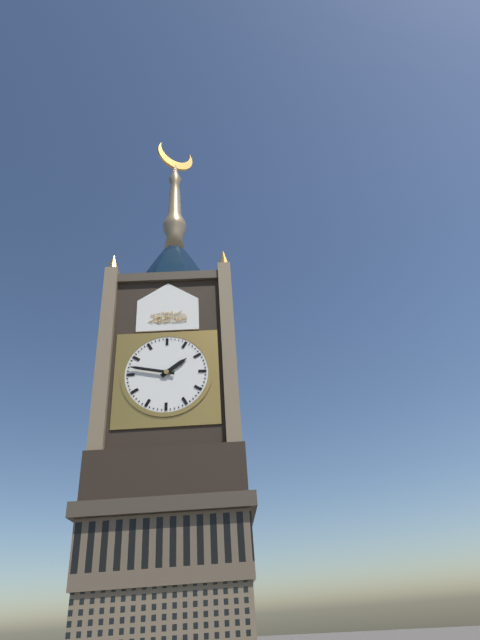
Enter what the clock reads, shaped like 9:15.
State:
1:47
